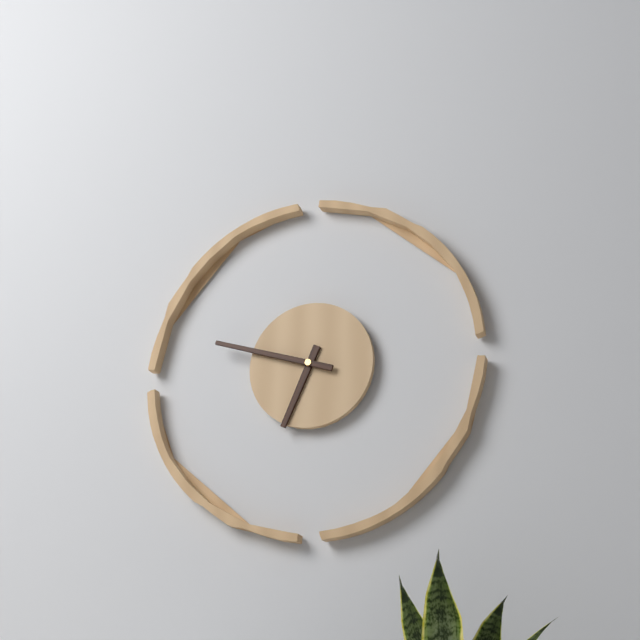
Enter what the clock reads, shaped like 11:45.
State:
6:48
